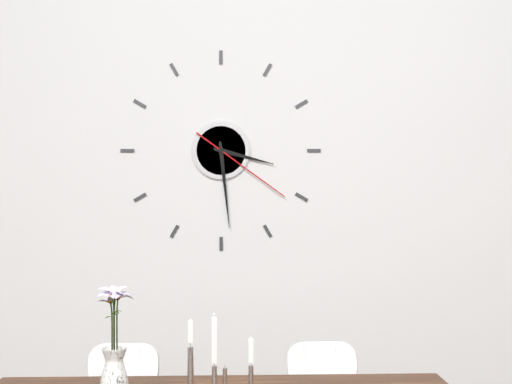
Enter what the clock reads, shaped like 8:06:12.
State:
3:29:21
